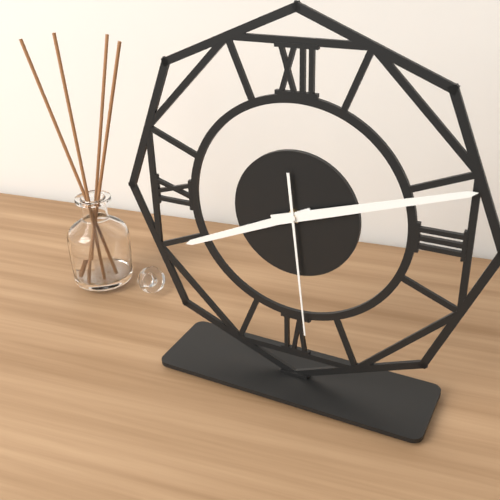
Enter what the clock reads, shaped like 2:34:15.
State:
8:12:29
